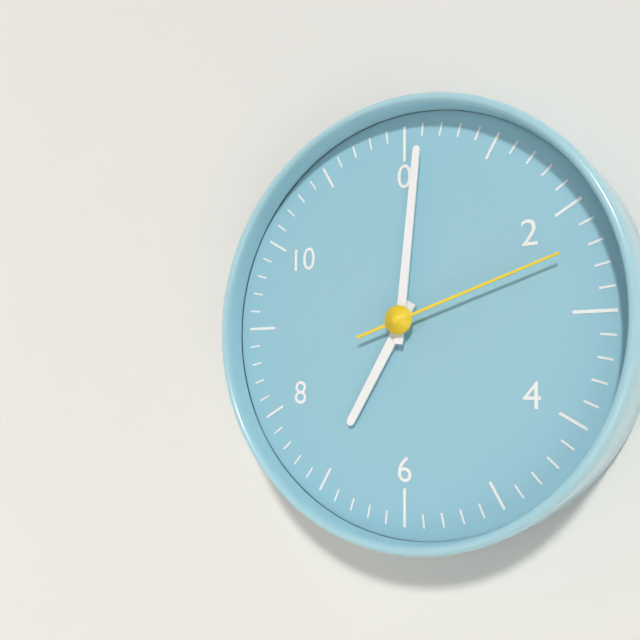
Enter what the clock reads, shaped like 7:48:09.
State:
7:01:12
